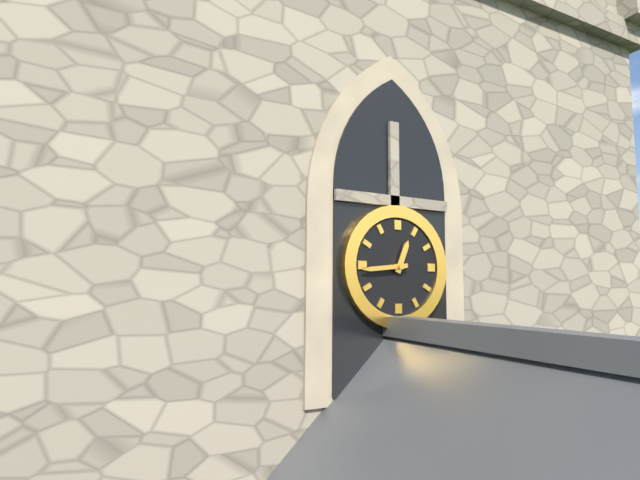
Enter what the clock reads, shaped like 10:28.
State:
12:44
